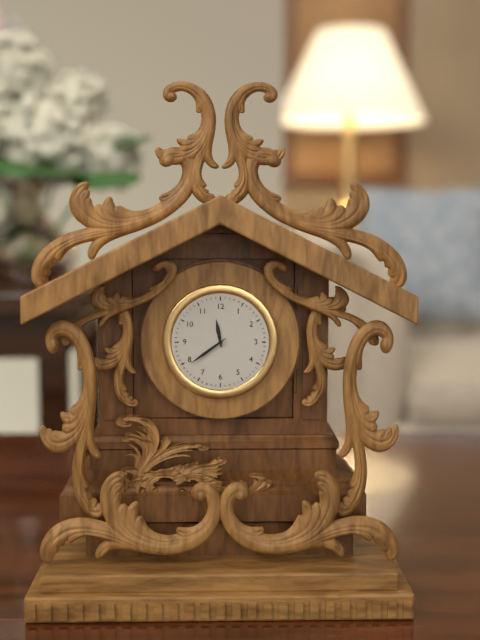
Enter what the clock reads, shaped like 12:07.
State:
11:39
